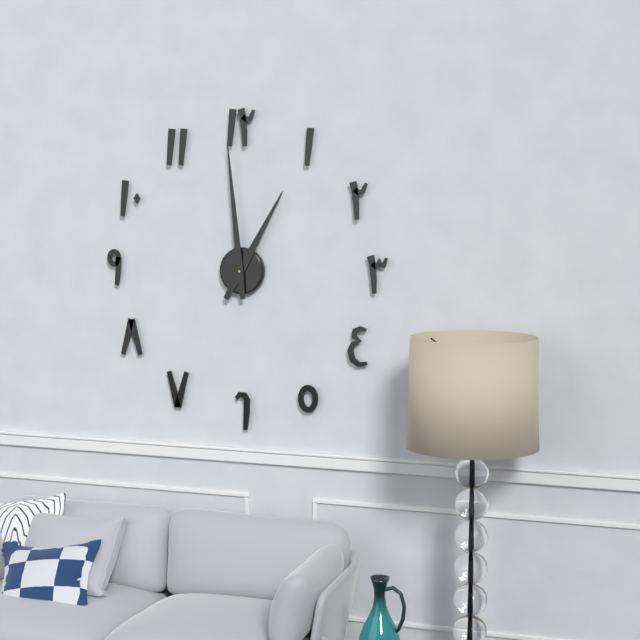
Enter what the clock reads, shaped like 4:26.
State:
12:59
